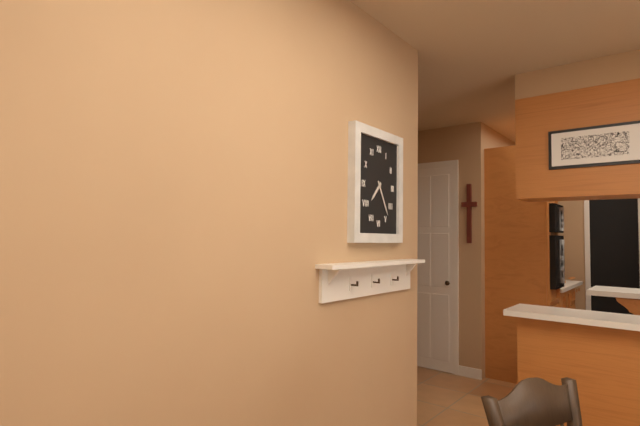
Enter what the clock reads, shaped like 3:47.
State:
7:25
